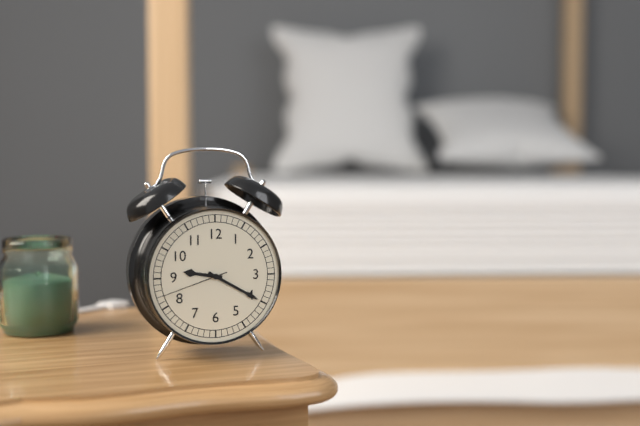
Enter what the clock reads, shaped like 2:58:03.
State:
9:20:42
